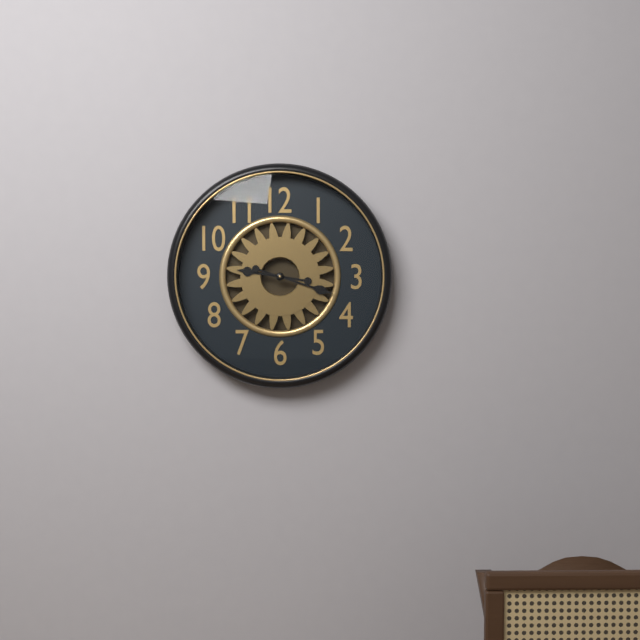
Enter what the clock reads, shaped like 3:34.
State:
9:18
